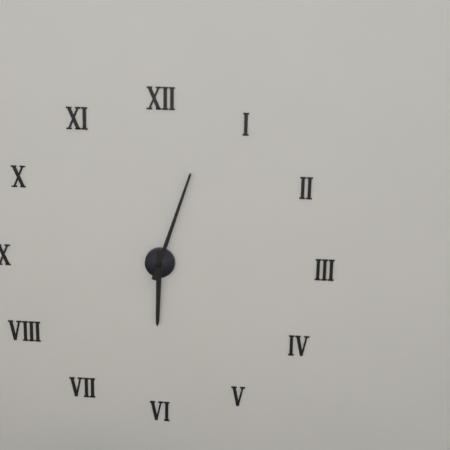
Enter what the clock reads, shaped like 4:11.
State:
6:03
